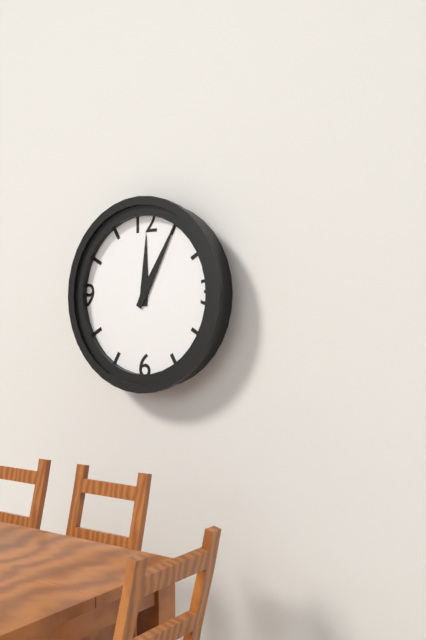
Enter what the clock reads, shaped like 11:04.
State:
12:05
